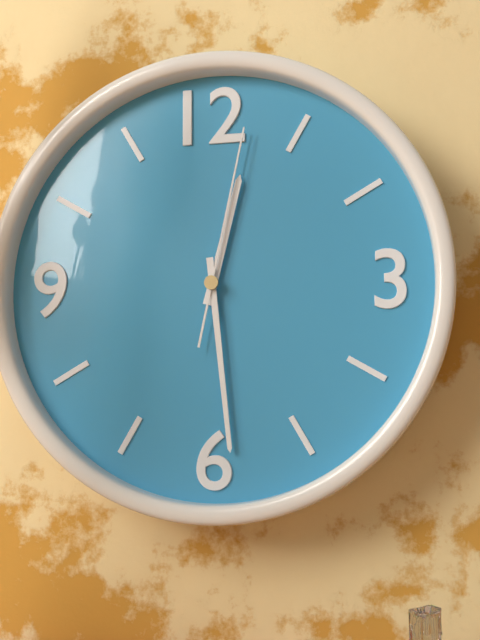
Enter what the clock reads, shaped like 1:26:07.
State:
12:29:02
